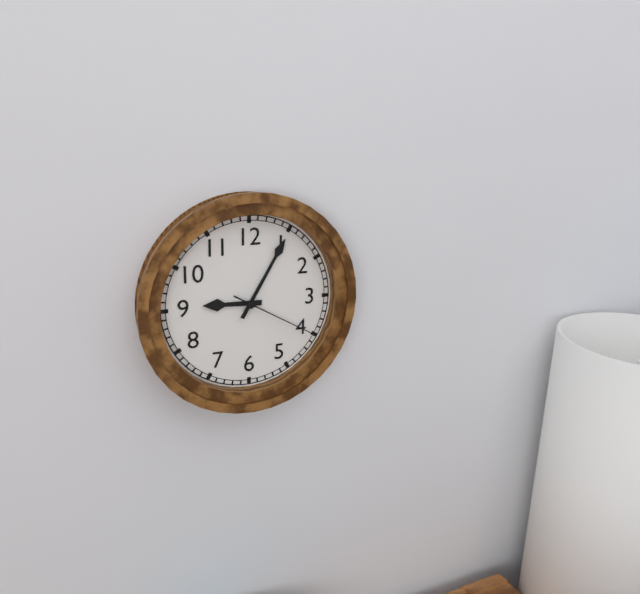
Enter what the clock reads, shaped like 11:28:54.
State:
9:05:20
